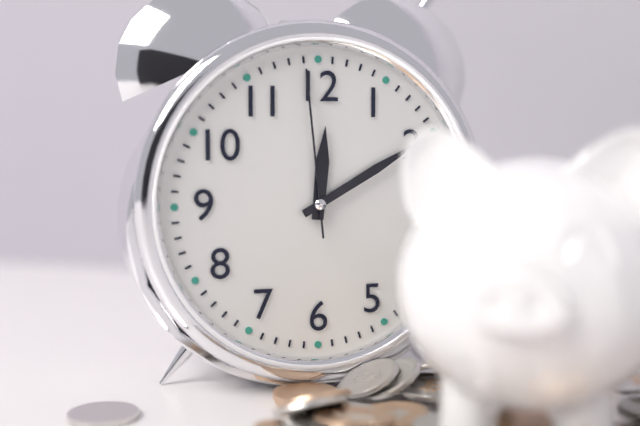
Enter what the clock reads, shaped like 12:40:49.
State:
12:10:59
